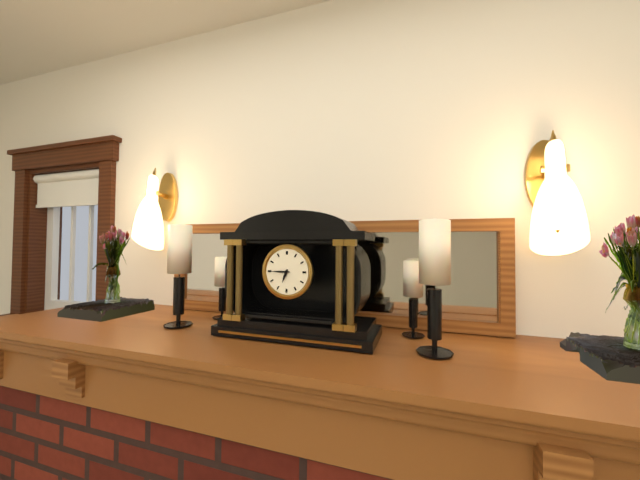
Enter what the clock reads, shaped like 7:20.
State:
6:45
